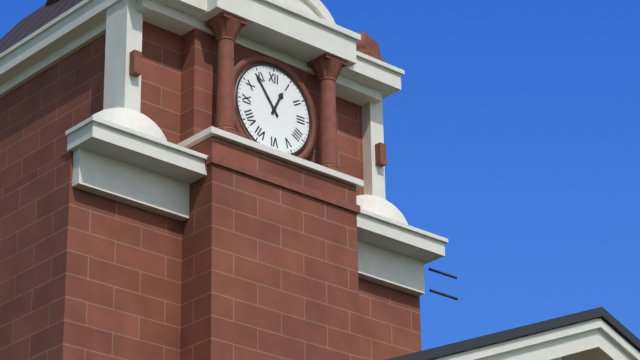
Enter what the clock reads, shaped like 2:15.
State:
12:54
